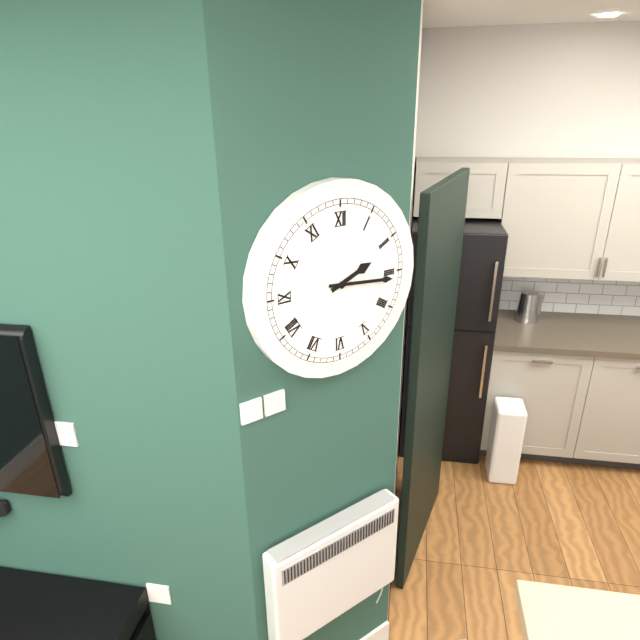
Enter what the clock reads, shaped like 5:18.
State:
2:16
